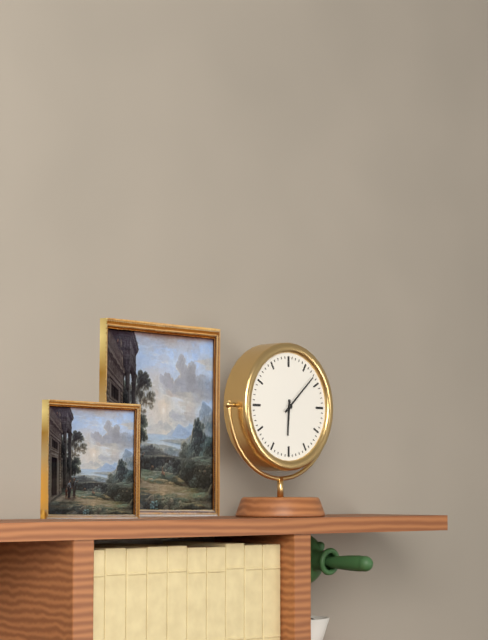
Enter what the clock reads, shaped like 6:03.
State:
6:08
